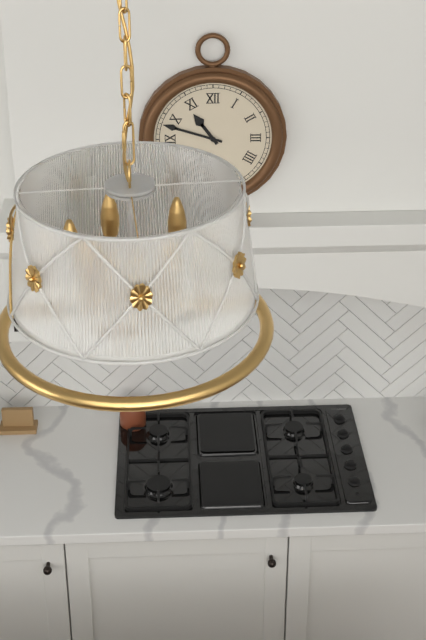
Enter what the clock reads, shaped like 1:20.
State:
10:48
